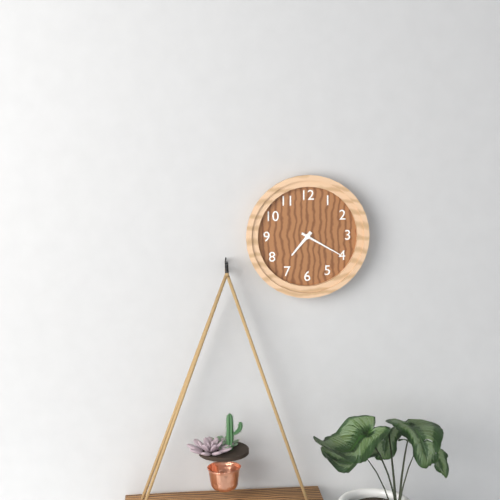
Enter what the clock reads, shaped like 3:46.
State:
7:20
